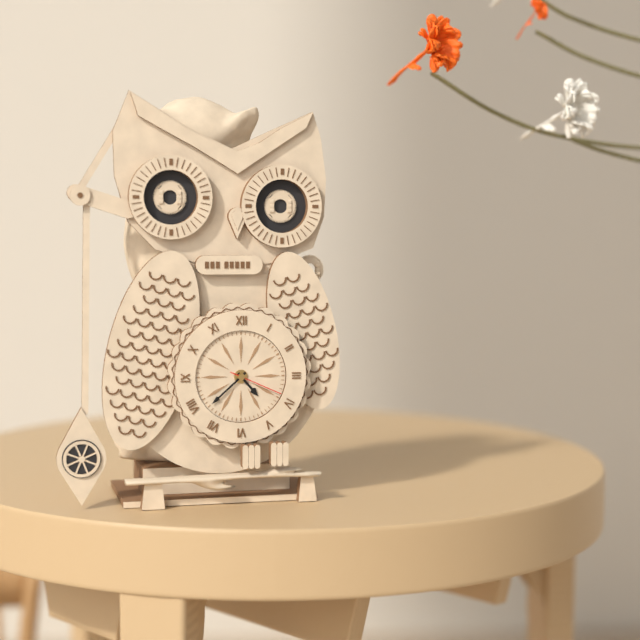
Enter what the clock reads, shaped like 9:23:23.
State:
4:38:19
